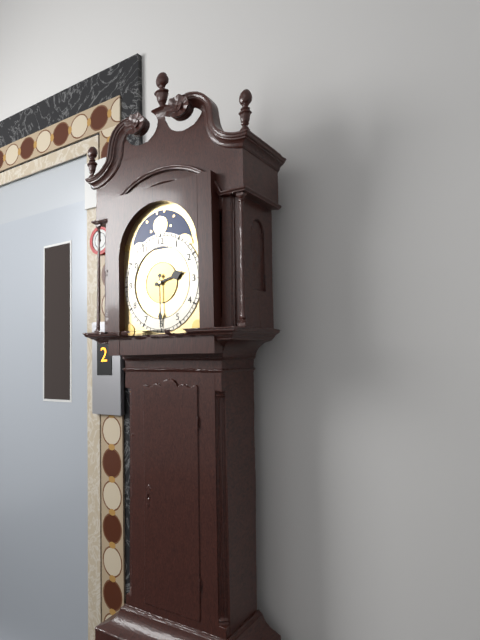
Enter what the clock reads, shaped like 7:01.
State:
2:30
